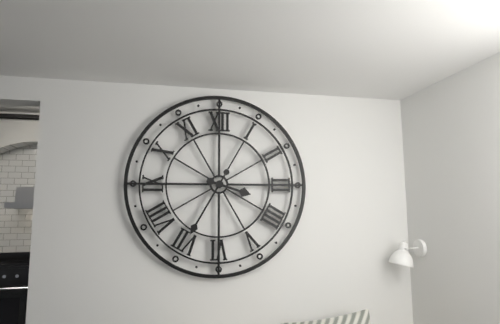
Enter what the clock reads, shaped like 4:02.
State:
3:35
